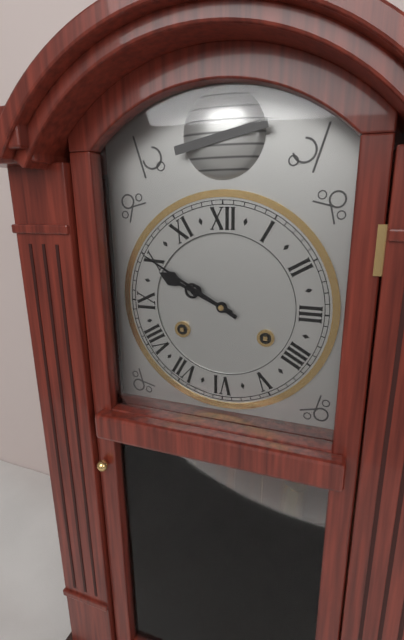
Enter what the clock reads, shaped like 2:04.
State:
9:50
